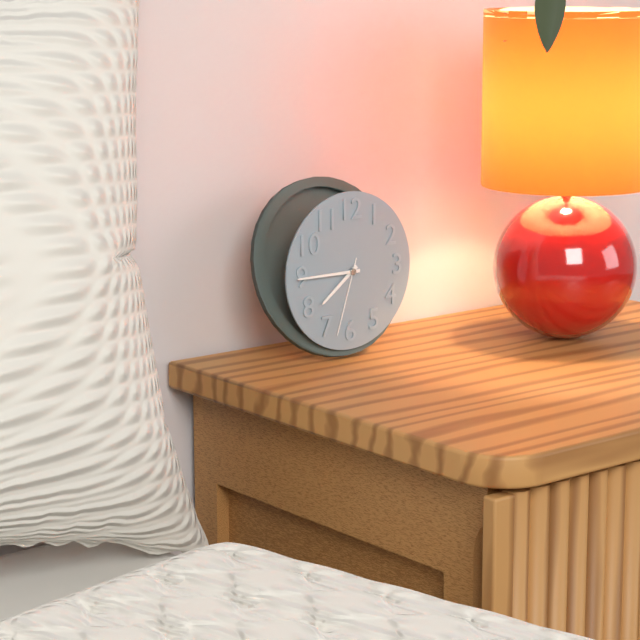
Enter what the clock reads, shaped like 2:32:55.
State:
7:45:33
